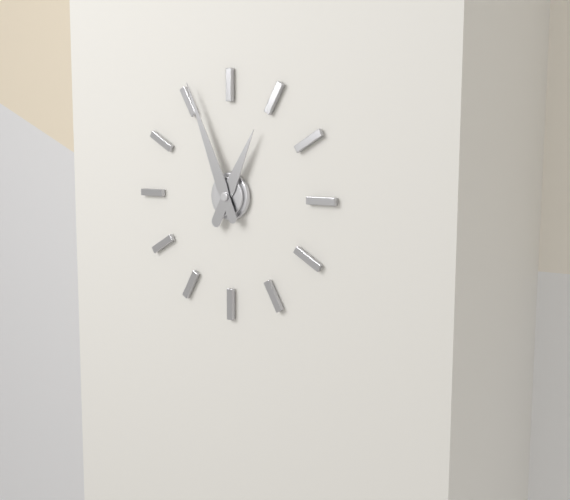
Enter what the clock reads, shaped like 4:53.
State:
12:56
